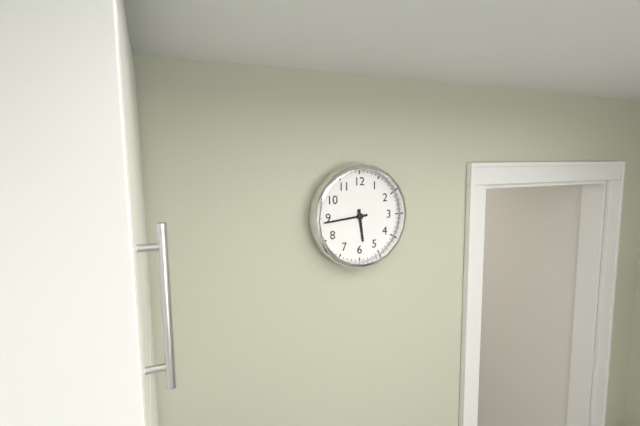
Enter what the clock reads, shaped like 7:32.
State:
5:44
